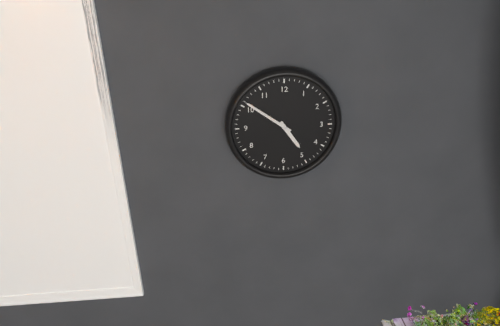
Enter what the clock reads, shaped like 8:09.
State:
4:51
